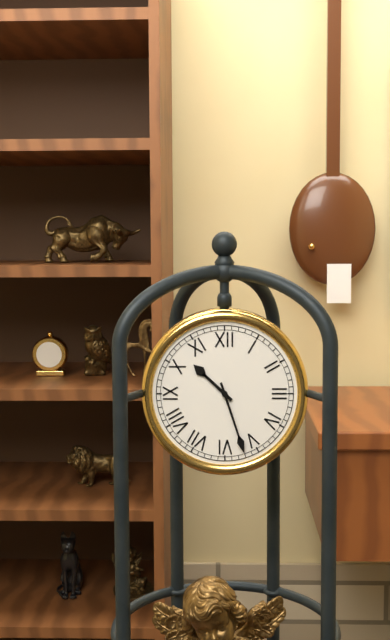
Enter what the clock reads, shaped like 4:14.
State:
10:27
